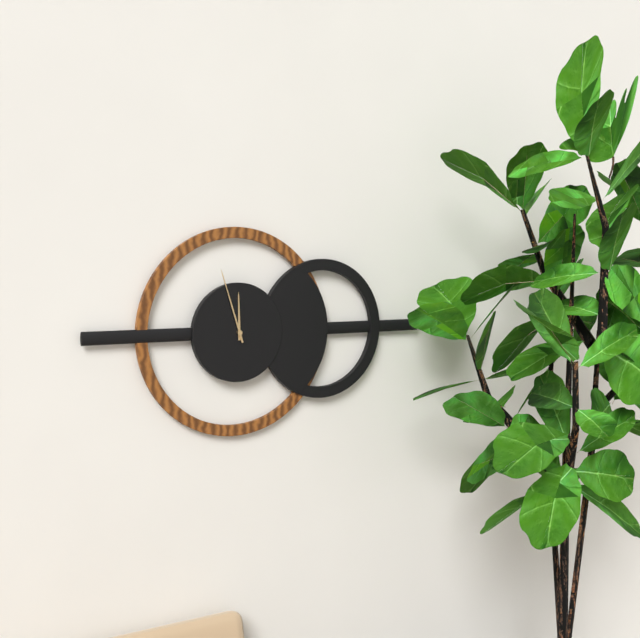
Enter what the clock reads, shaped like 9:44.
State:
11:57
